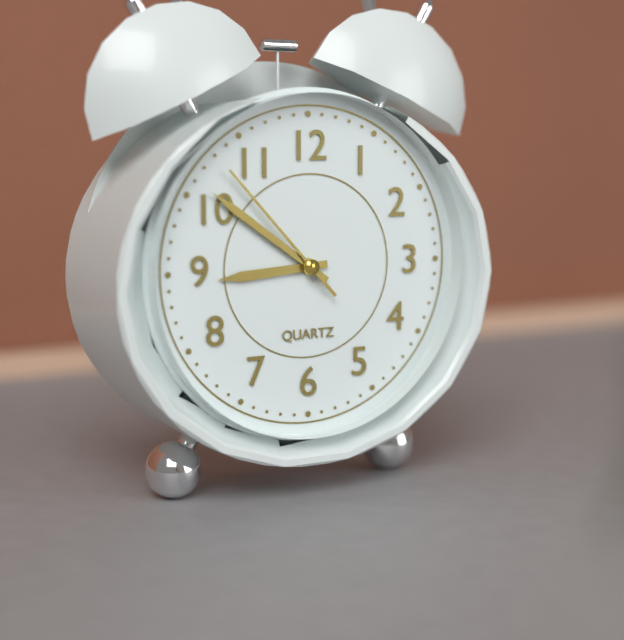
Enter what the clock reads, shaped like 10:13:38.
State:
8:51:53
